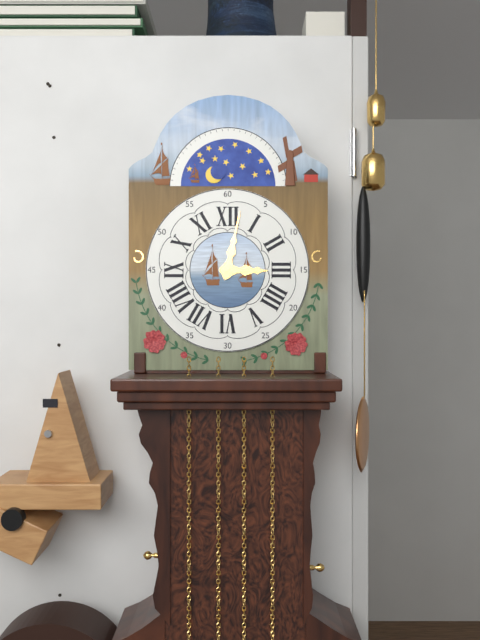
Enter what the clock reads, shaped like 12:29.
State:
3:02
